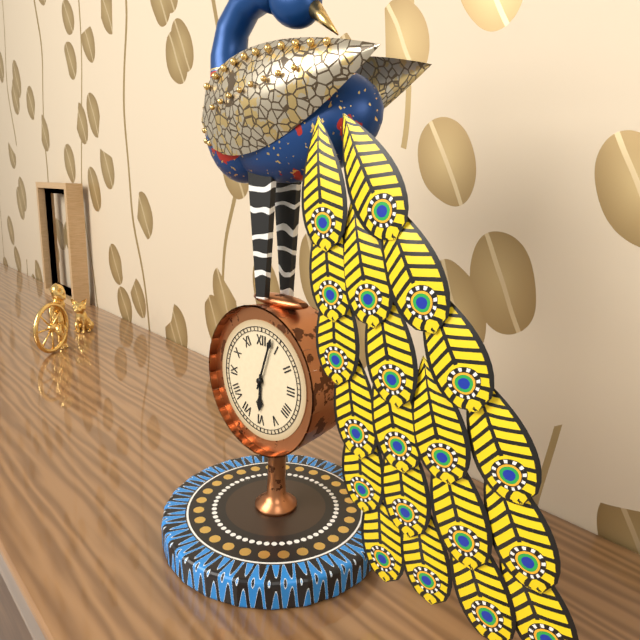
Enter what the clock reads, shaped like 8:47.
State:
6:03
